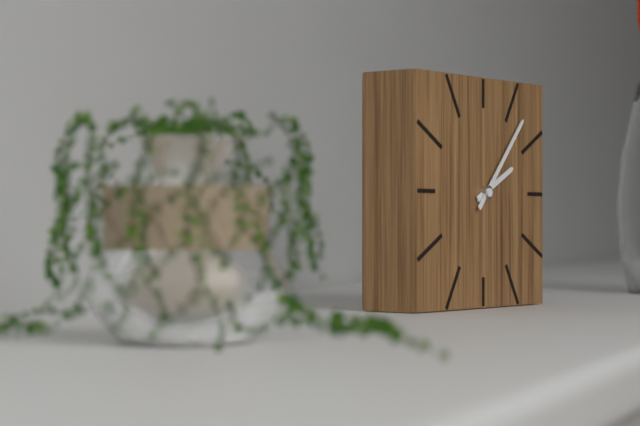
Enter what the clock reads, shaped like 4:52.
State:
2:07
